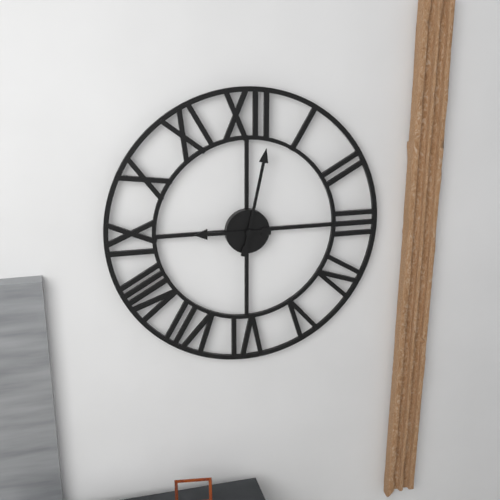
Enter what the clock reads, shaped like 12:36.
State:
9:02
